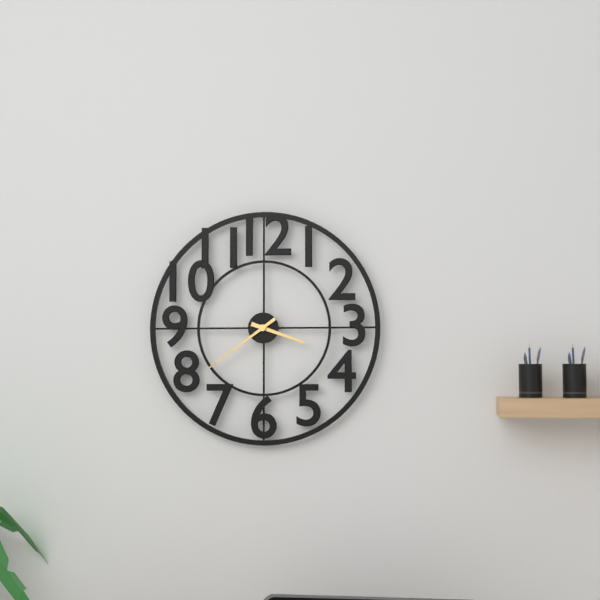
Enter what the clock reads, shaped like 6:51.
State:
3:39
